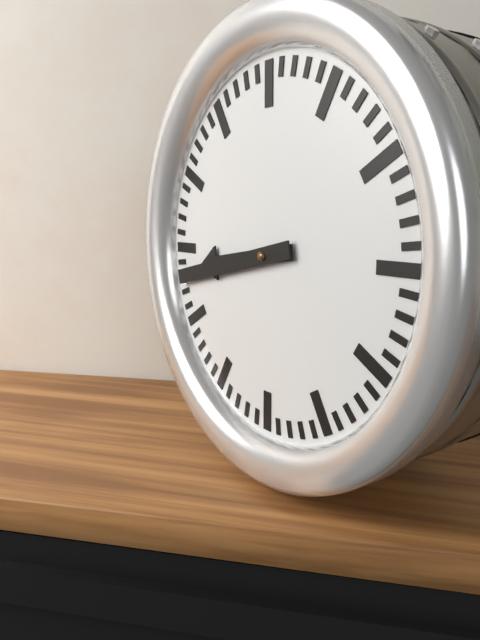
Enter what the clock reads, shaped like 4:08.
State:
8:43
